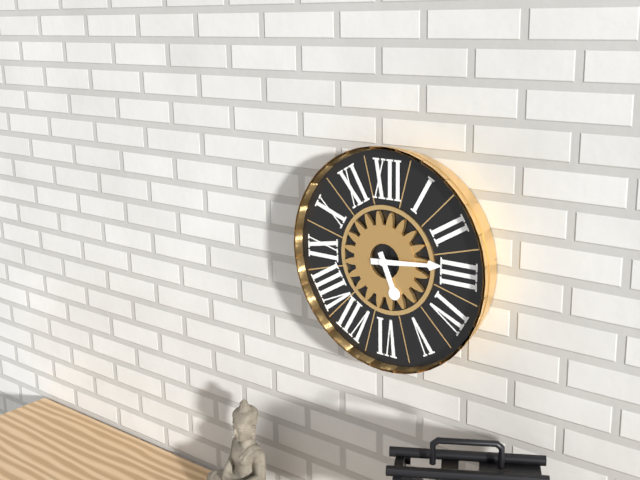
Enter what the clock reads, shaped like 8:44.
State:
5:14
